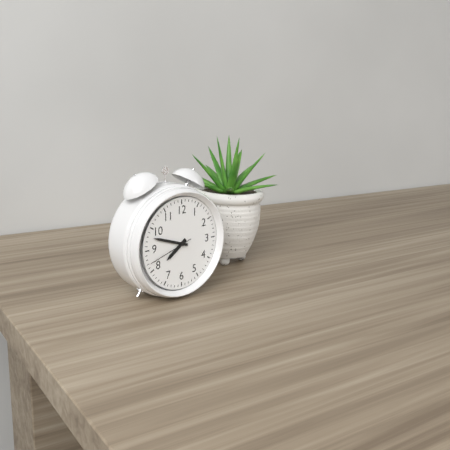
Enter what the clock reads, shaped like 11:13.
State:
7:48
